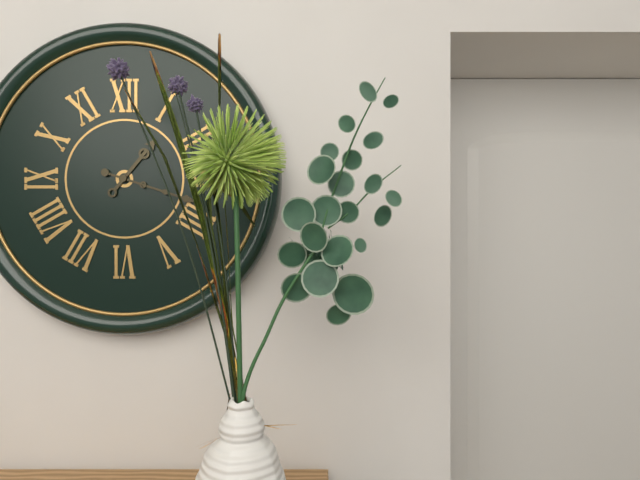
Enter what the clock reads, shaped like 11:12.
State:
1:18
